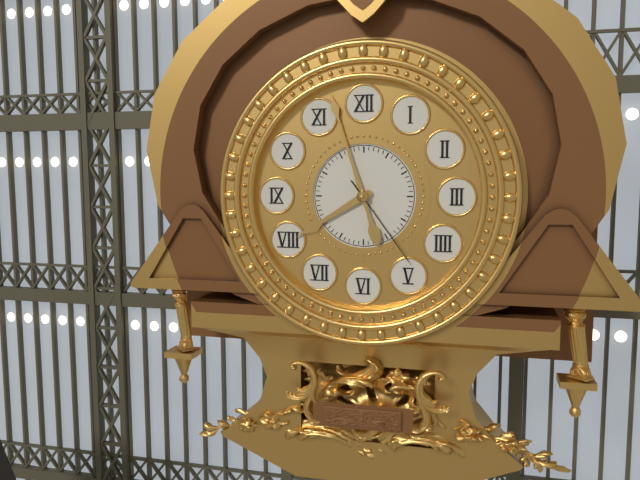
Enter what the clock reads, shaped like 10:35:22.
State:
7:57:24
